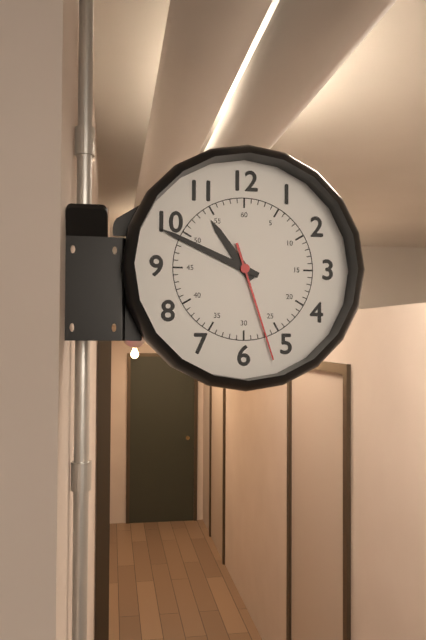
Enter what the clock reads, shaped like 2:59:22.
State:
10:49:27
